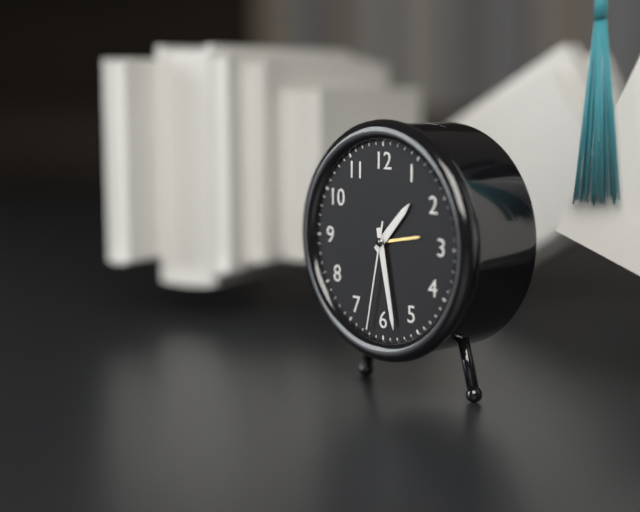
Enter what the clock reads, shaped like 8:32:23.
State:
1:28:32
